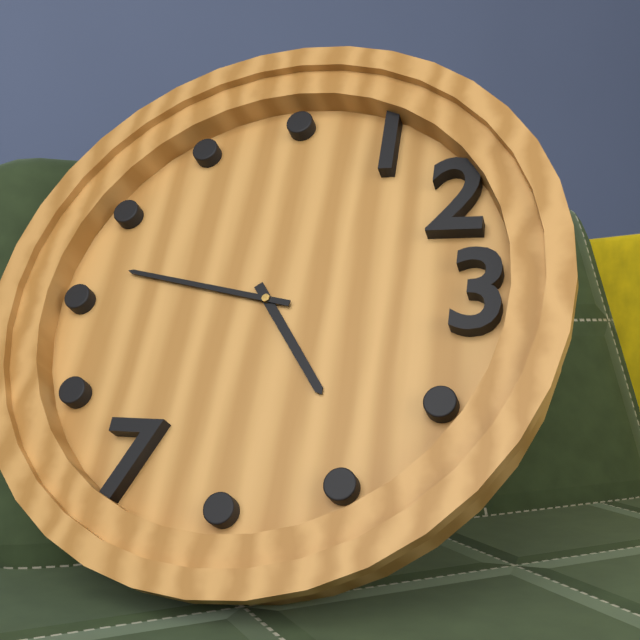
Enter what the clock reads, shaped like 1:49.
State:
4:47
